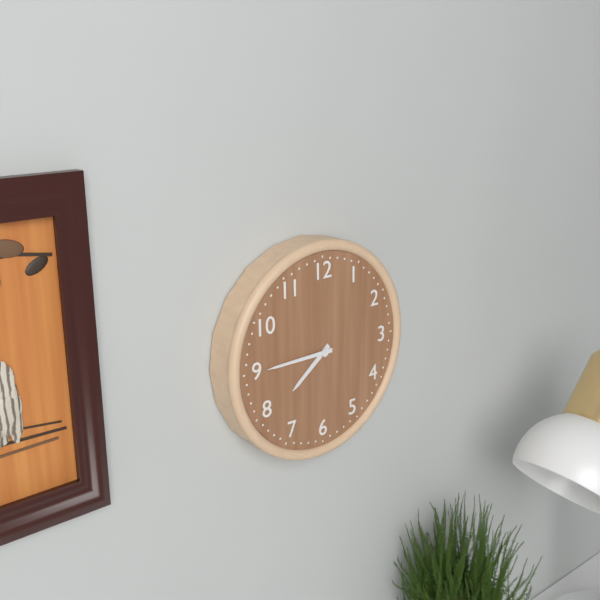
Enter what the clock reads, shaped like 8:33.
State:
7:45
